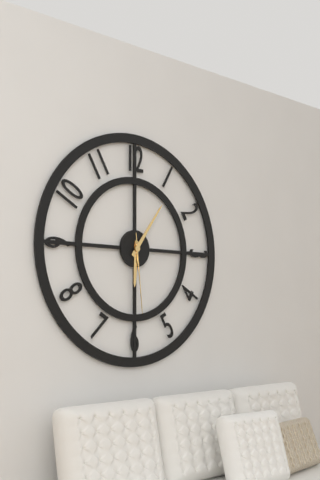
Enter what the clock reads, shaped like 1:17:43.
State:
6:06:29
